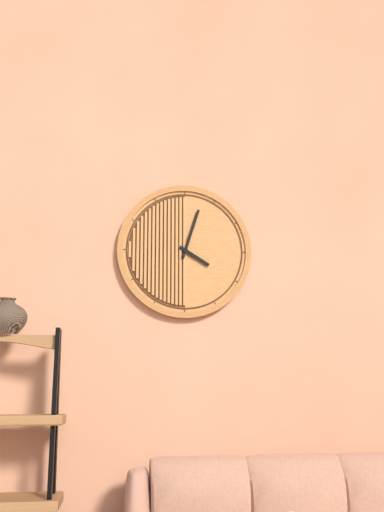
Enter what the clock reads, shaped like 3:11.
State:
4:03
